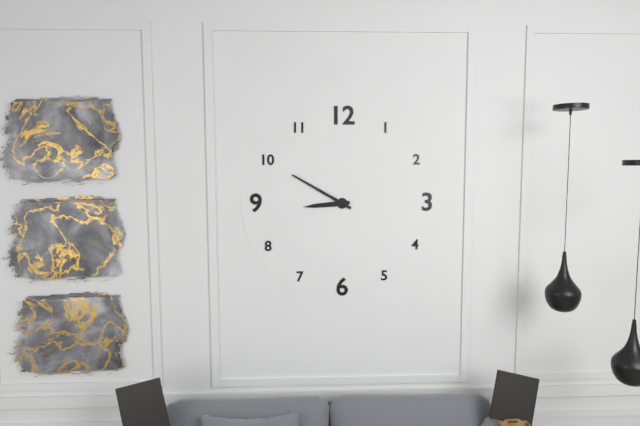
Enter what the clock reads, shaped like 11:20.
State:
8:50
